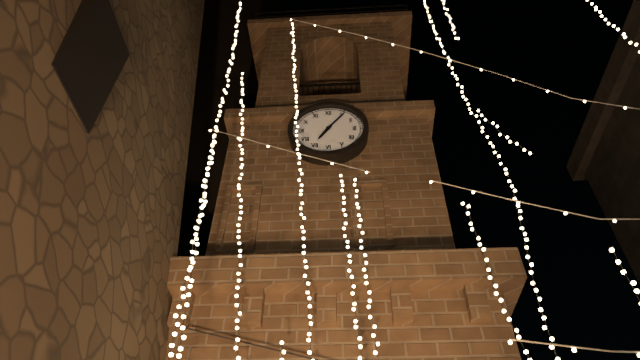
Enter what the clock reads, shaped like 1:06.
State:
7:06
